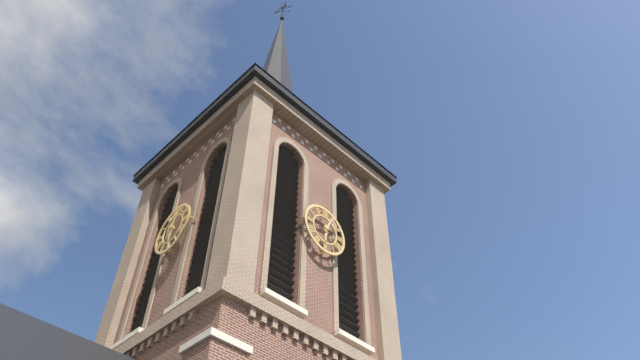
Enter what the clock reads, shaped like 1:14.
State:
6:04
